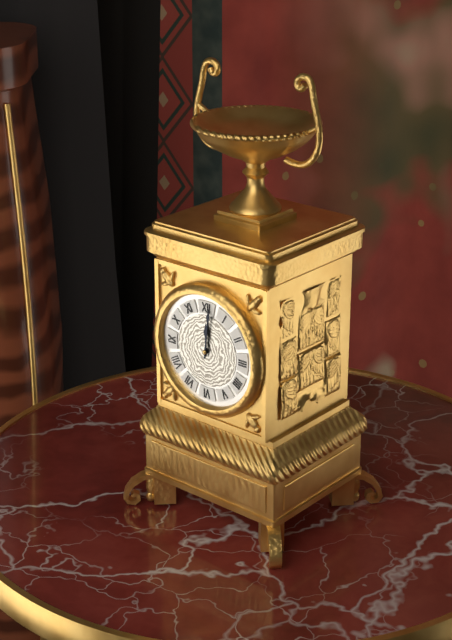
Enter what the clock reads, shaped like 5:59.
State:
12:01
